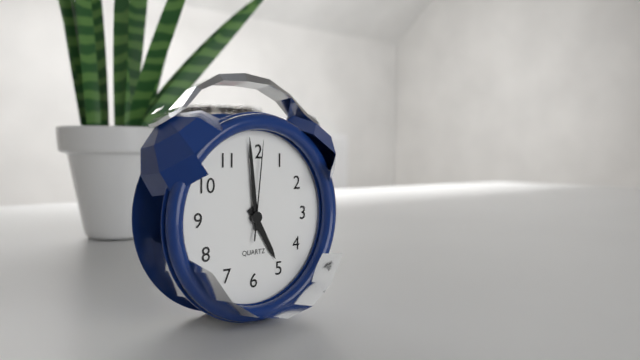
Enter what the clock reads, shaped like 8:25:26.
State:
4:59:01
